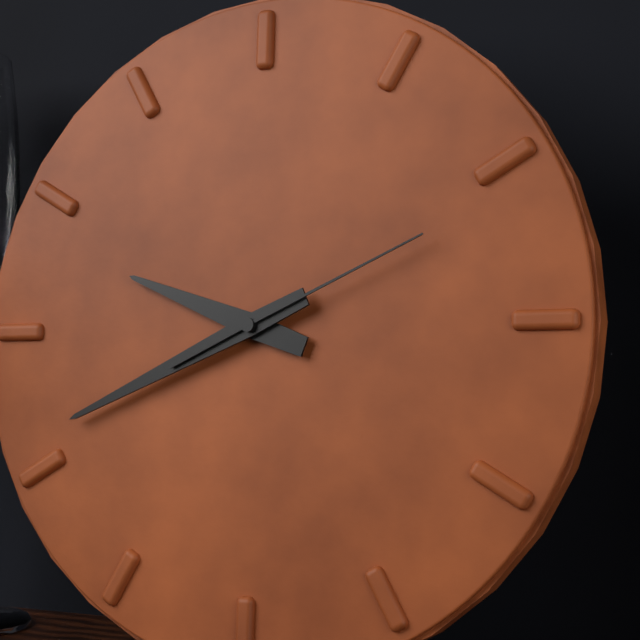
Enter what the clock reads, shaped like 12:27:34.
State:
9:41:11
